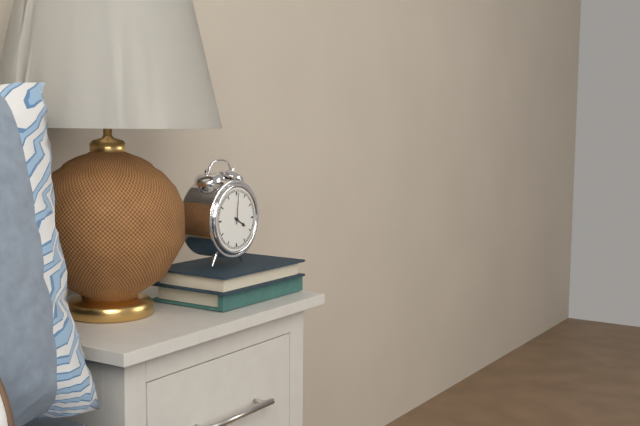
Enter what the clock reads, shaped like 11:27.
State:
4:01
